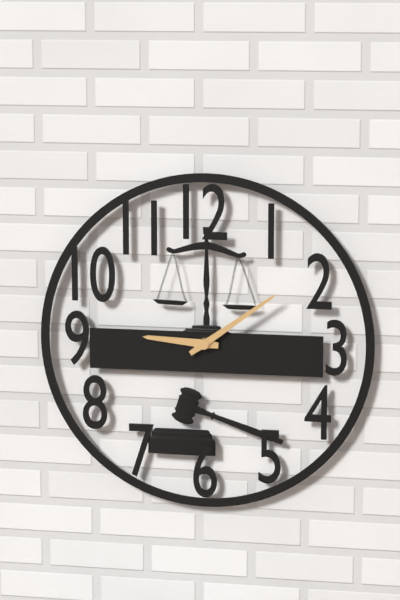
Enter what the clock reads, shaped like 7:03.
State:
9:09
